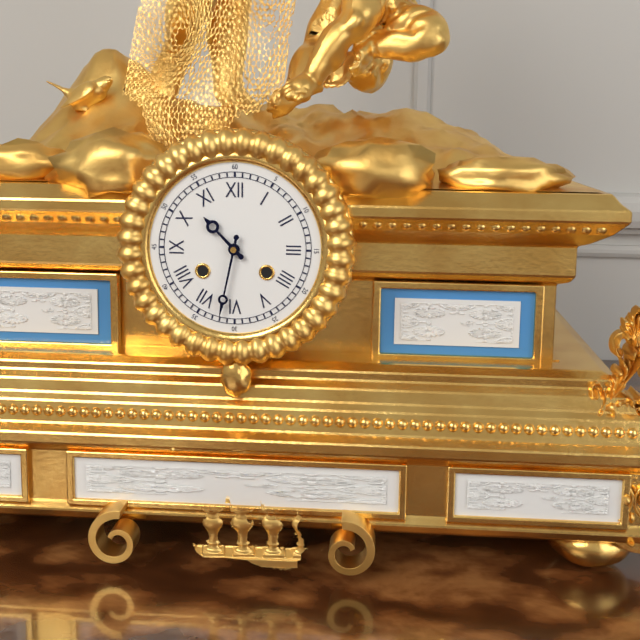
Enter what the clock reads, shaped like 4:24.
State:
10:32
